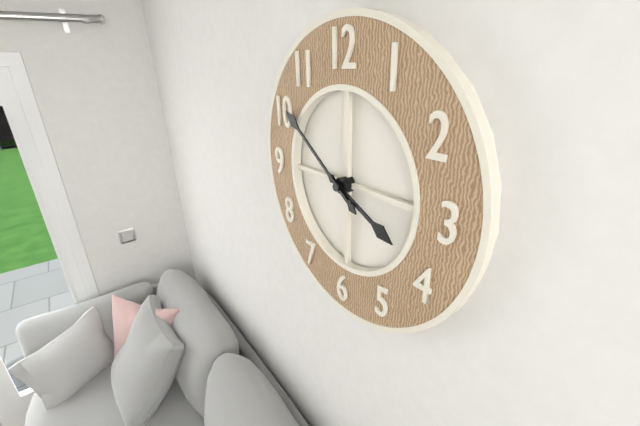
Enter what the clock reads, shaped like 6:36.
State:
3:51
